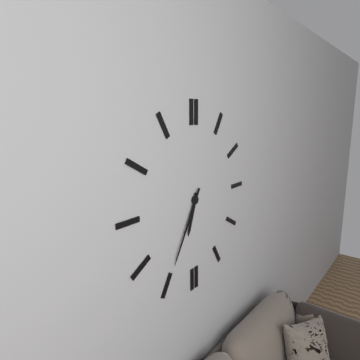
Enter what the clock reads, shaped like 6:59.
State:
6:35
